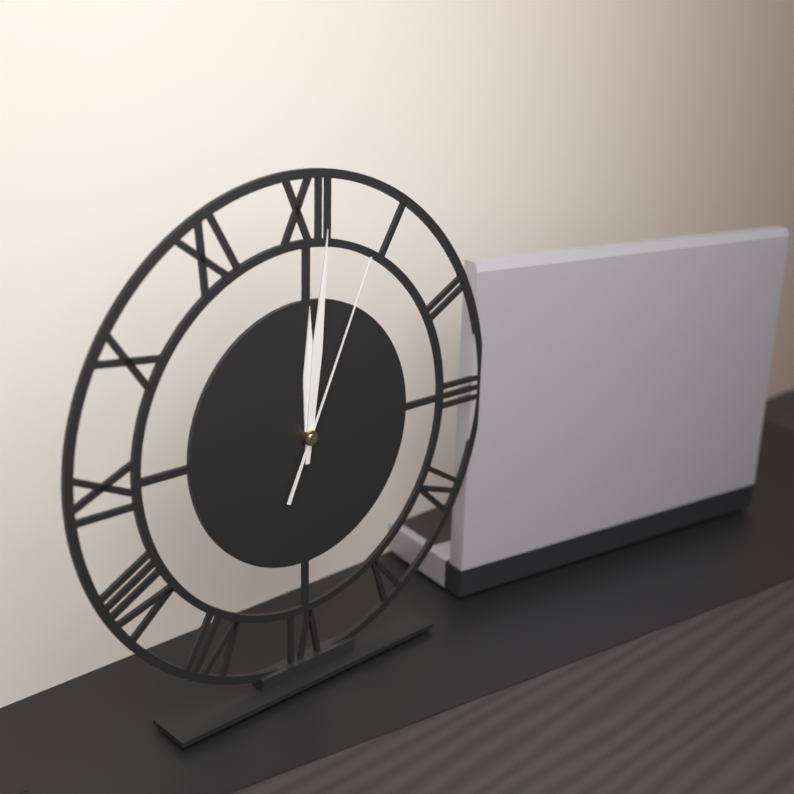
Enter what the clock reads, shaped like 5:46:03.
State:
12:01:04
